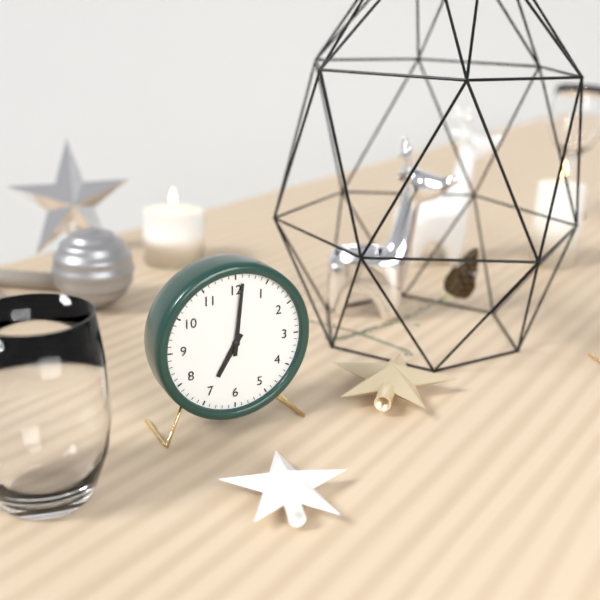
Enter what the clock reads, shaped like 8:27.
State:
7:01
